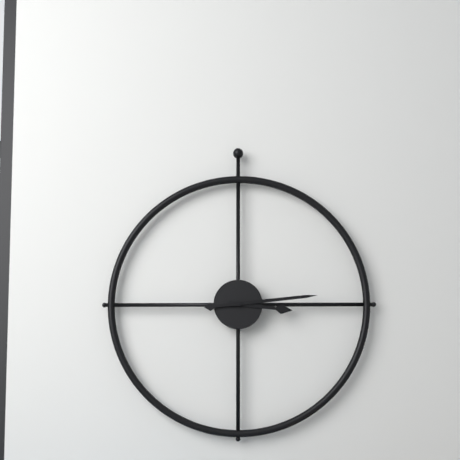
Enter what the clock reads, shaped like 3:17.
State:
3:14
